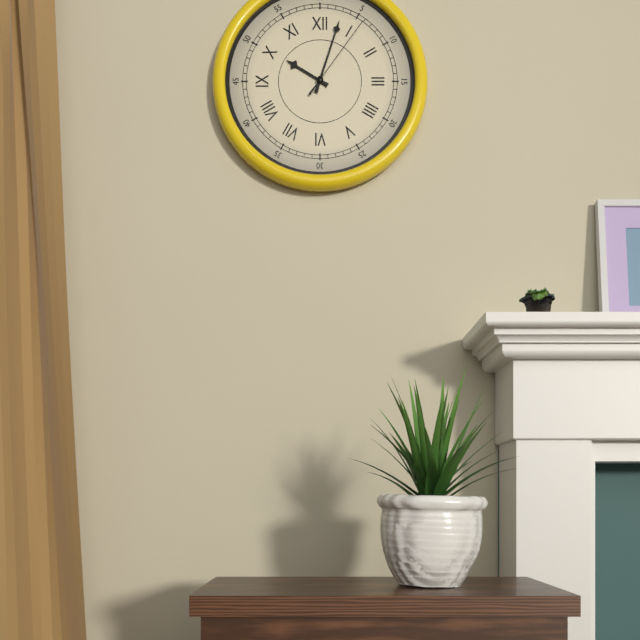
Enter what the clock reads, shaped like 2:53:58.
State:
10:03:06
